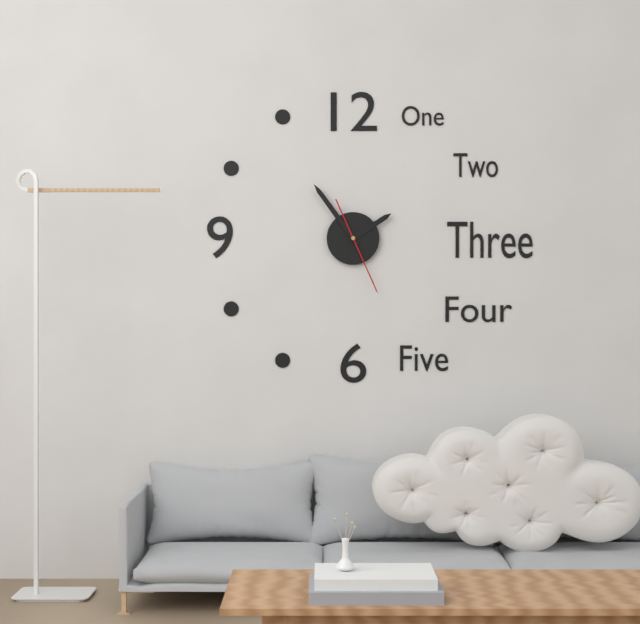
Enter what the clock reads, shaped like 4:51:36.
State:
1:54:26
